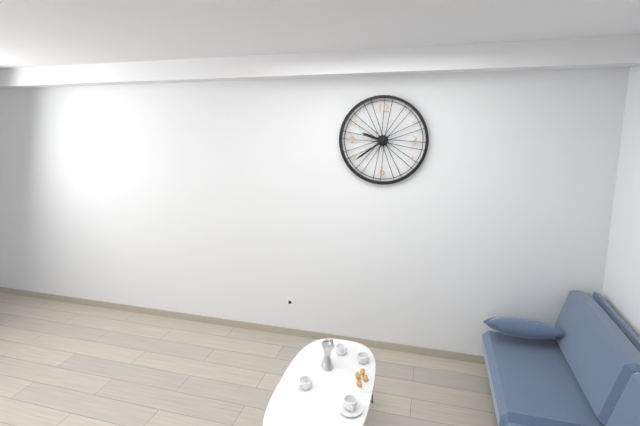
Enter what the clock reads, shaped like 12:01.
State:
9:39
